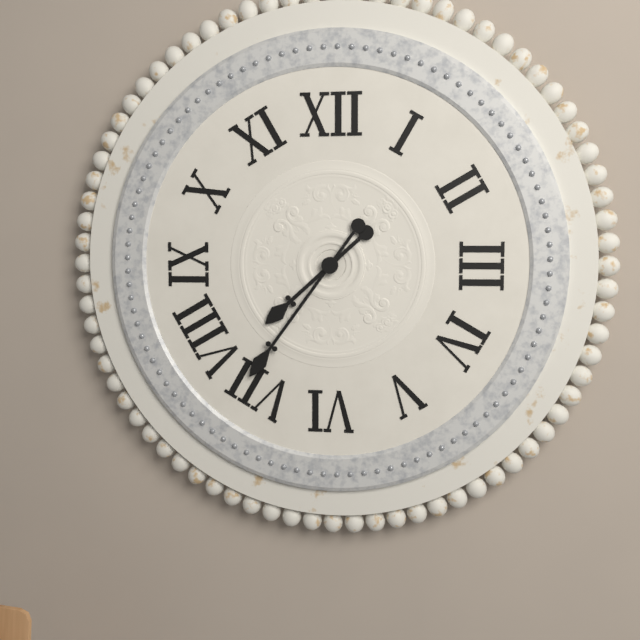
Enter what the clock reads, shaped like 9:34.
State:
7:36
